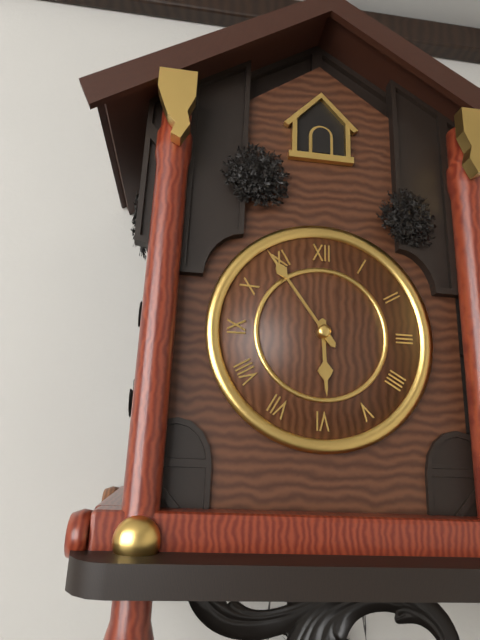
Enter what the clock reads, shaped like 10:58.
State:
5:54
